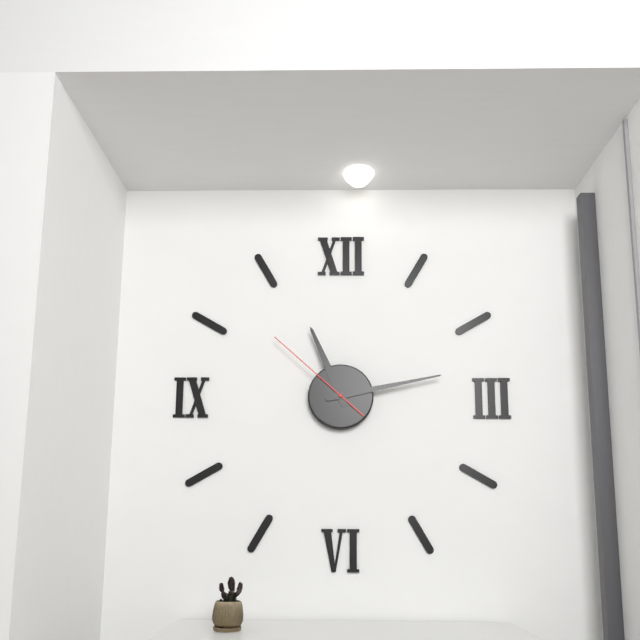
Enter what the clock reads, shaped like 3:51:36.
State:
11:13:52
